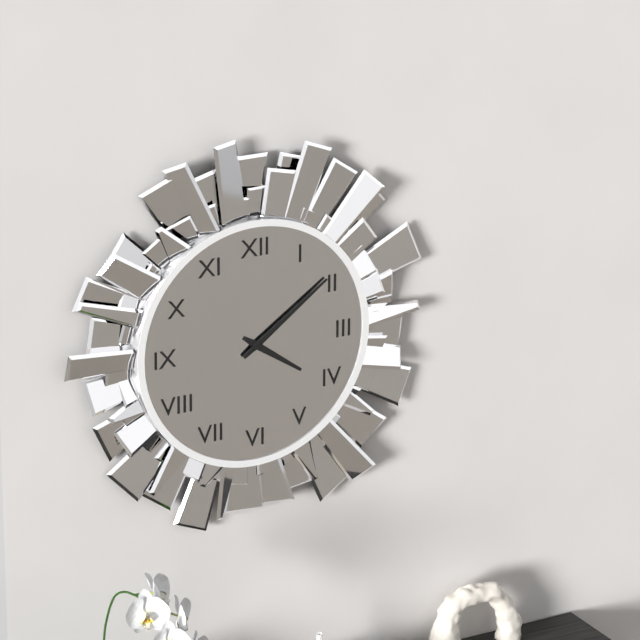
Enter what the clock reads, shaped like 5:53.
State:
4:09
